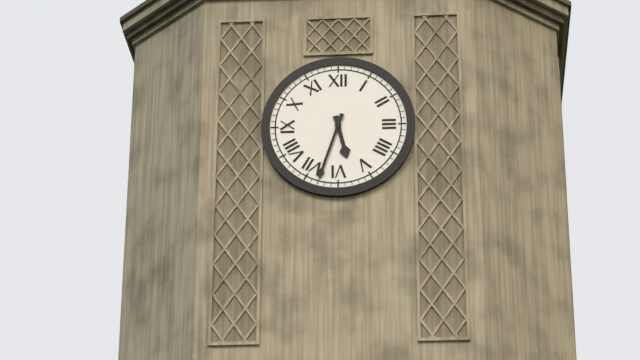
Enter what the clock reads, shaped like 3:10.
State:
5:33
